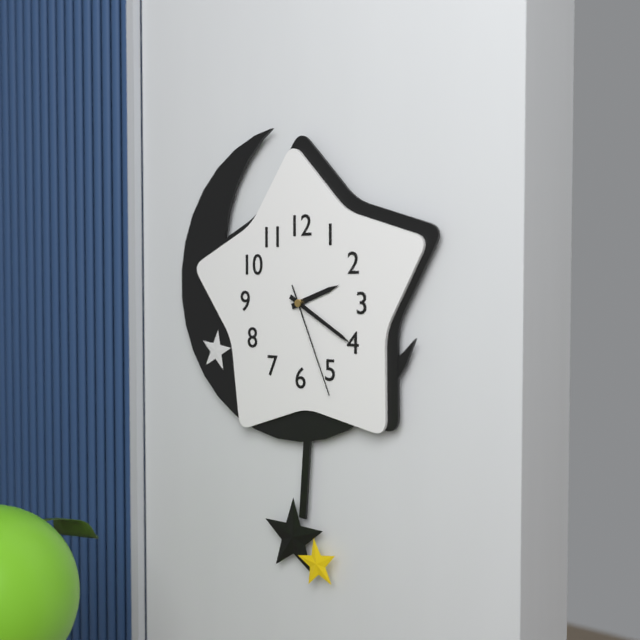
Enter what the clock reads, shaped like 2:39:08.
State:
2:20:26
